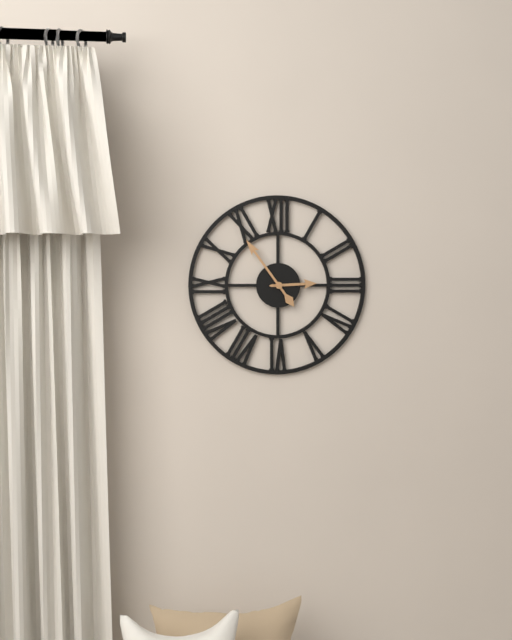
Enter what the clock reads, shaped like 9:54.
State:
2:54
